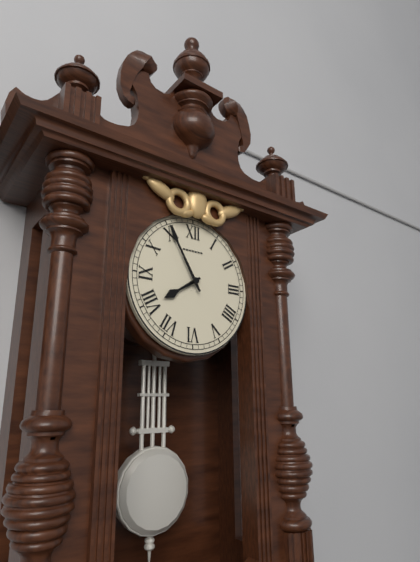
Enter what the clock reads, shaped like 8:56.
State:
7:55
